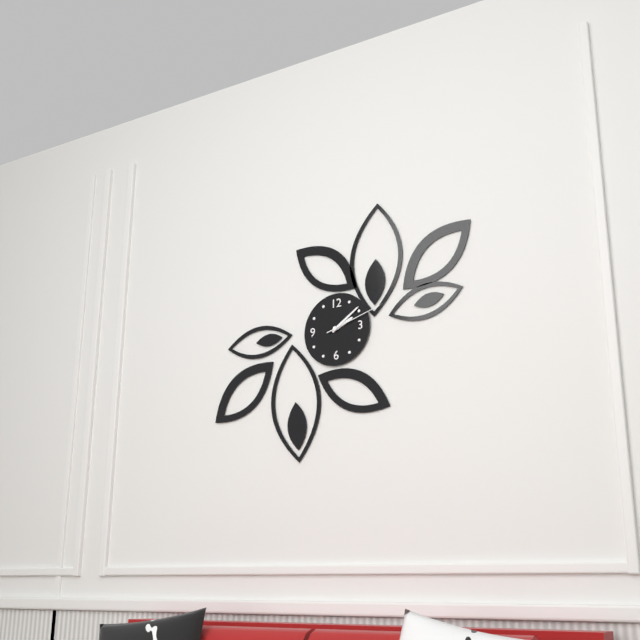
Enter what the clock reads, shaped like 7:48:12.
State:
2:09:12
